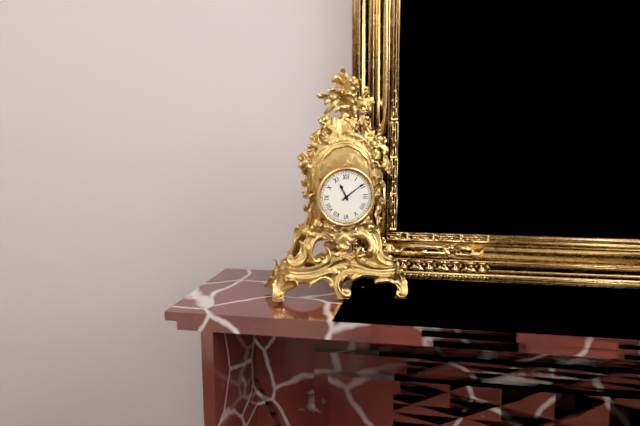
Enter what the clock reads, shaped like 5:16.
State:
11:09
